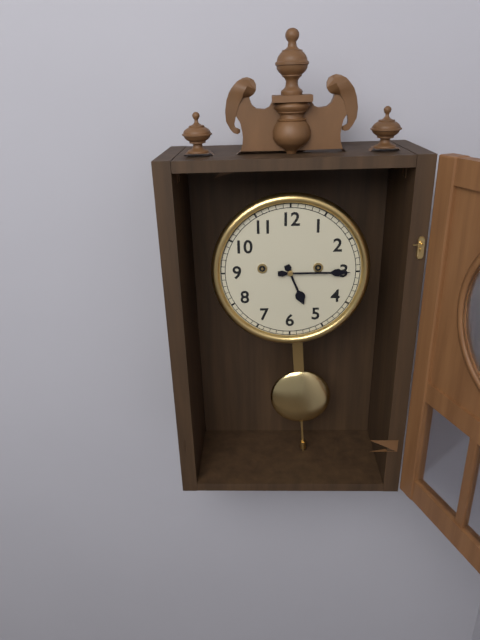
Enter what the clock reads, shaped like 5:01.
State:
5:15
